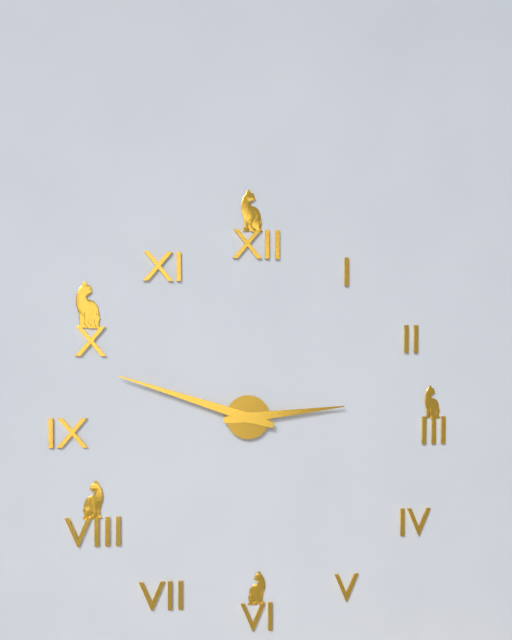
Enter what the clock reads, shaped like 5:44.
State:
2:48
